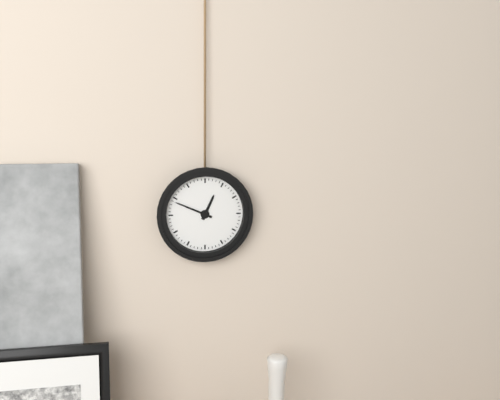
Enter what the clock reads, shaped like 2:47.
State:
12:49
